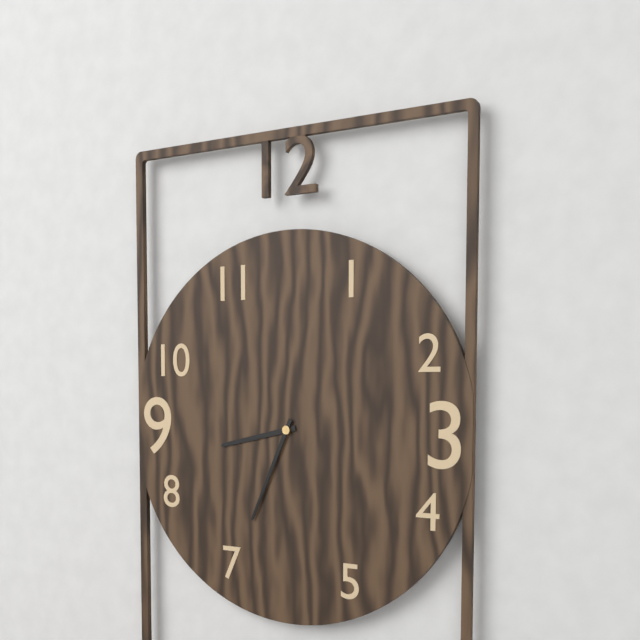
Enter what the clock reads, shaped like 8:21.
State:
8:34
